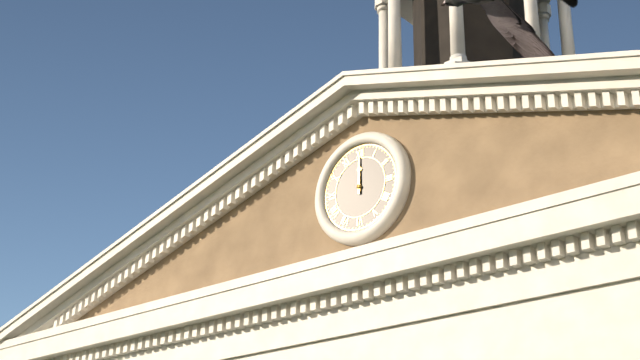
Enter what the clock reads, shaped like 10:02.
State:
12:00
